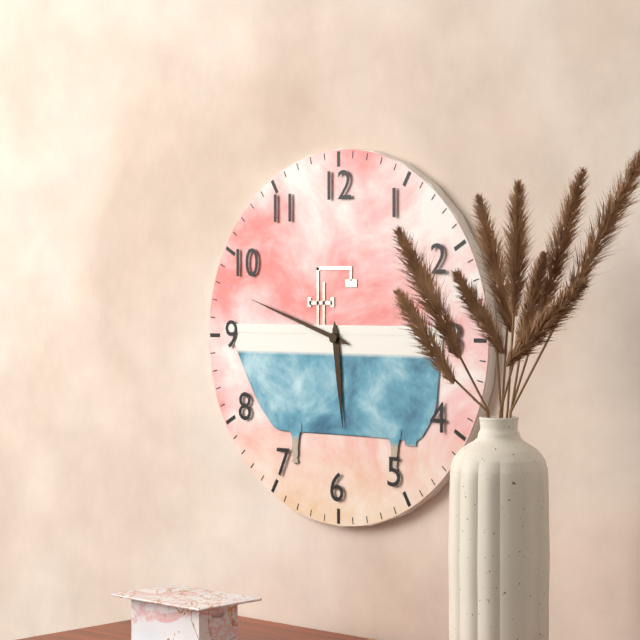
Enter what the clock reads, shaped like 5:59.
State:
5:48
